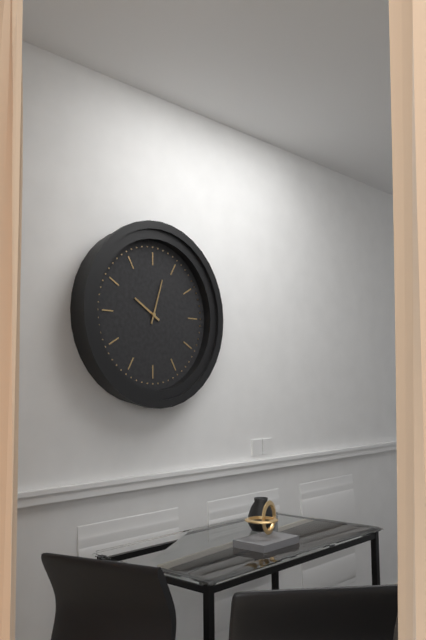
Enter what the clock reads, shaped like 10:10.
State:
10:03
